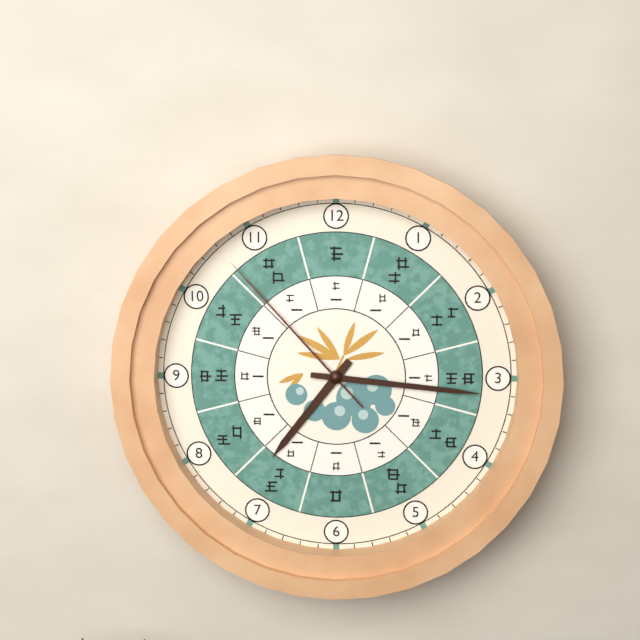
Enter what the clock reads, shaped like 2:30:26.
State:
7:16:53
